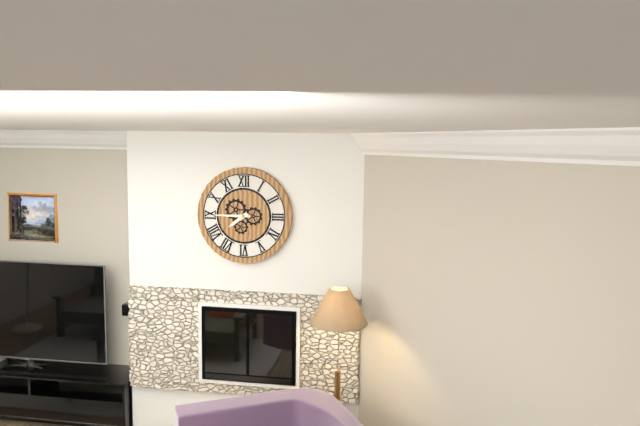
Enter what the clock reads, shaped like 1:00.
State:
7:45
